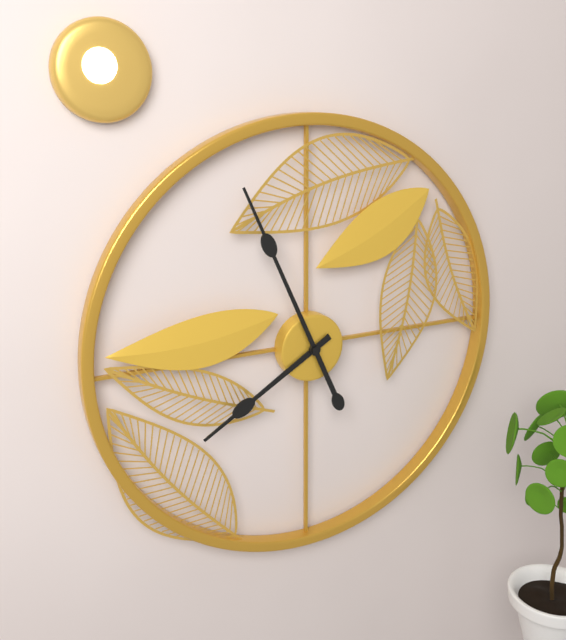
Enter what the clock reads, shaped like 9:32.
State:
7:56
